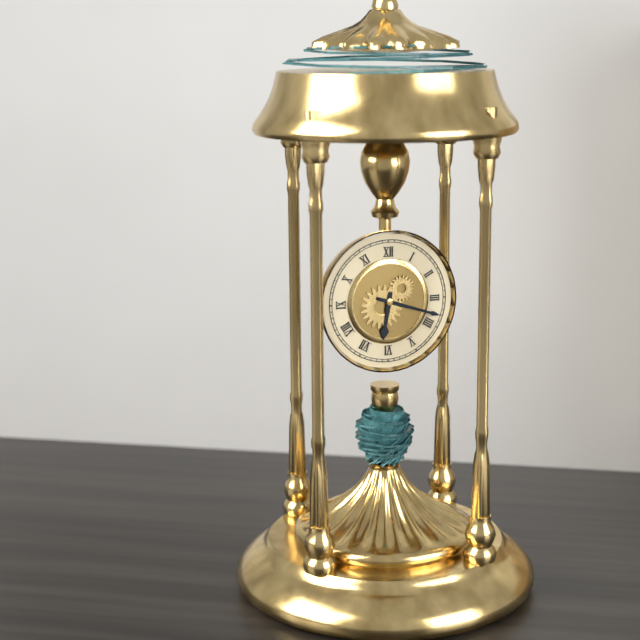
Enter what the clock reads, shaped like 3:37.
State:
6:18
